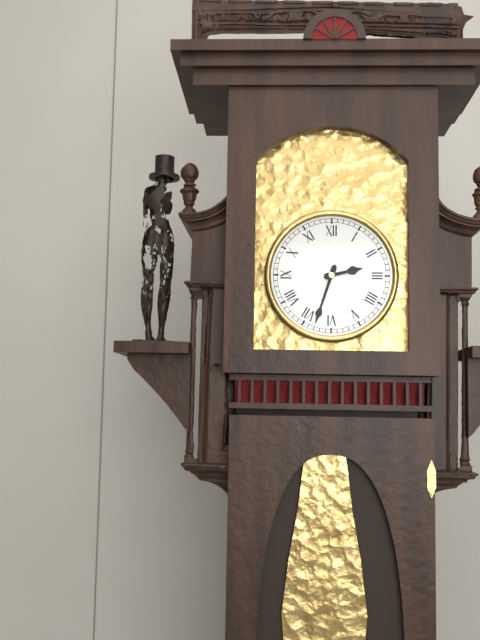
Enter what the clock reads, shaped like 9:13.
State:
2:33
